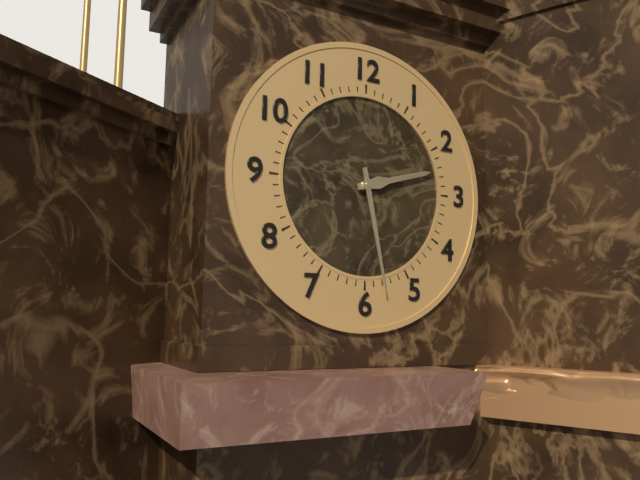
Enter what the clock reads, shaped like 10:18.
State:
2:28
